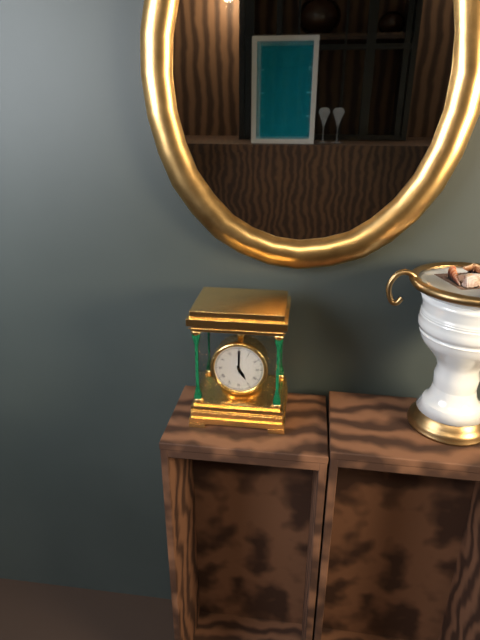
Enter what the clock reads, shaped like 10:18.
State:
5:00
